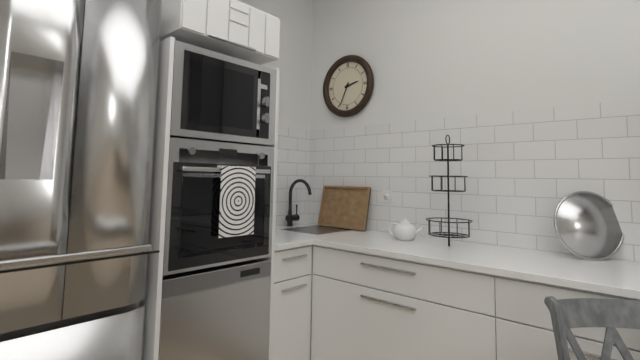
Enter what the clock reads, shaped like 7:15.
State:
2:34
